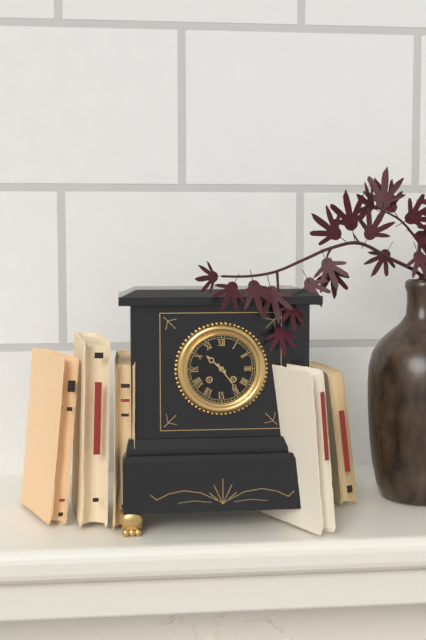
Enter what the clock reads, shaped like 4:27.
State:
10:24
